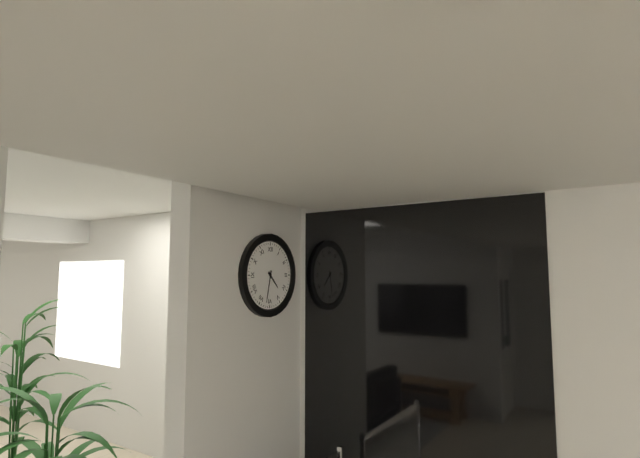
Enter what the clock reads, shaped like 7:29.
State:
4:32
